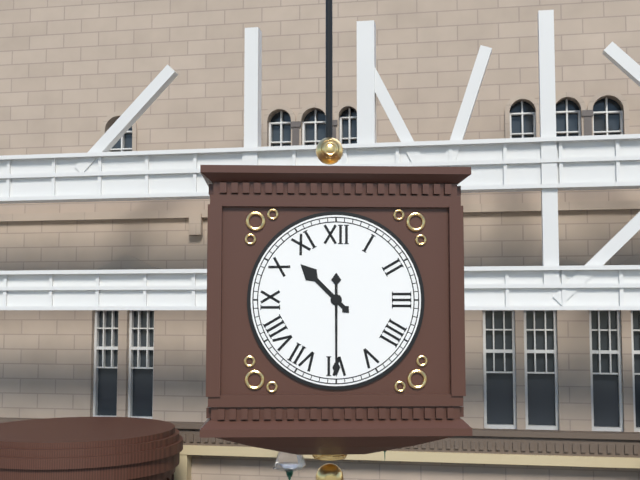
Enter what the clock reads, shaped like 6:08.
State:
10:30
